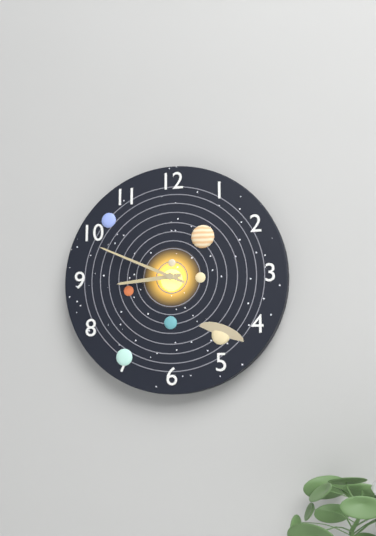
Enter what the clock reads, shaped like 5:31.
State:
8:49
